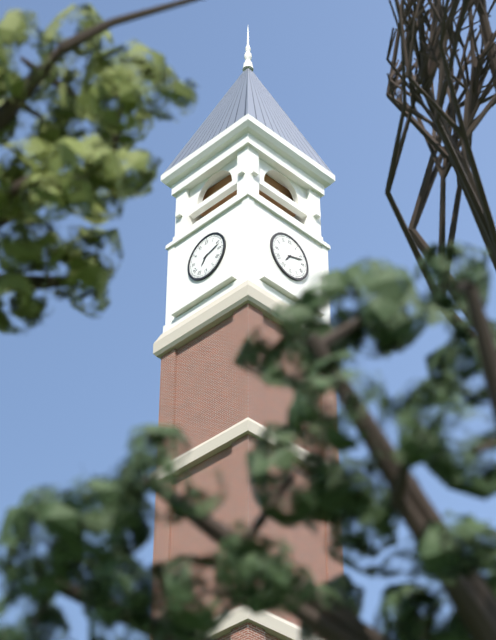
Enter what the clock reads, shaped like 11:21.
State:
7:12
